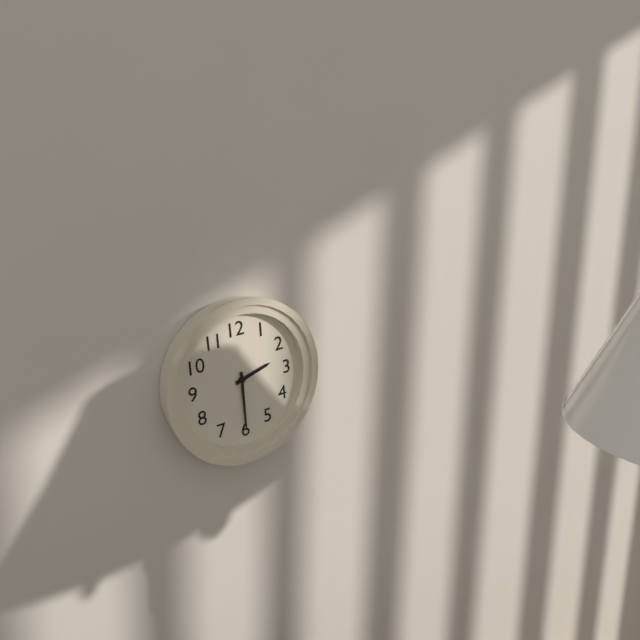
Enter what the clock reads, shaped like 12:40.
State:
2:30
